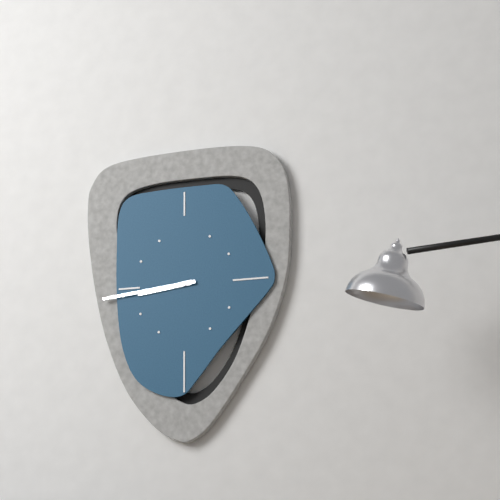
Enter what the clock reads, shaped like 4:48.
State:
8:44
